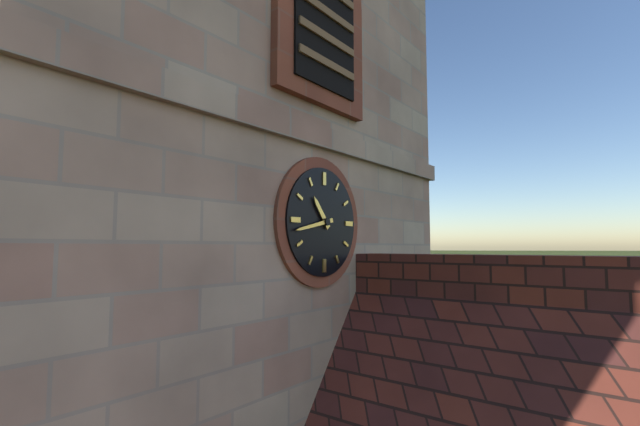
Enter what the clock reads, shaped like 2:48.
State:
10:43
